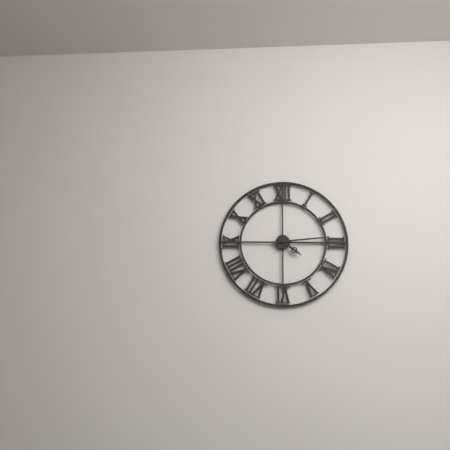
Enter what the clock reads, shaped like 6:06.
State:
4:14
